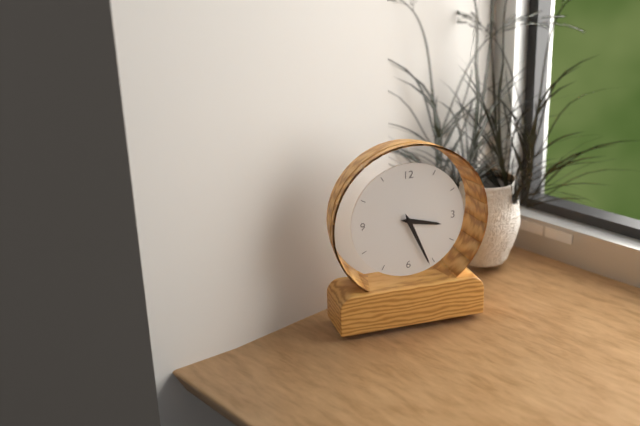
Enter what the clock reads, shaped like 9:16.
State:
3:26
